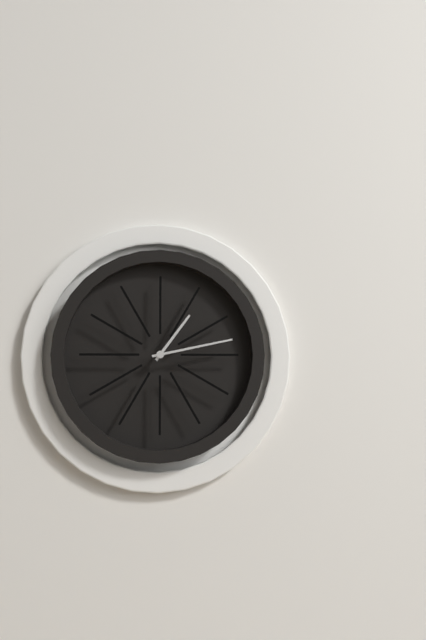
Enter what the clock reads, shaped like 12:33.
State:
1:13
